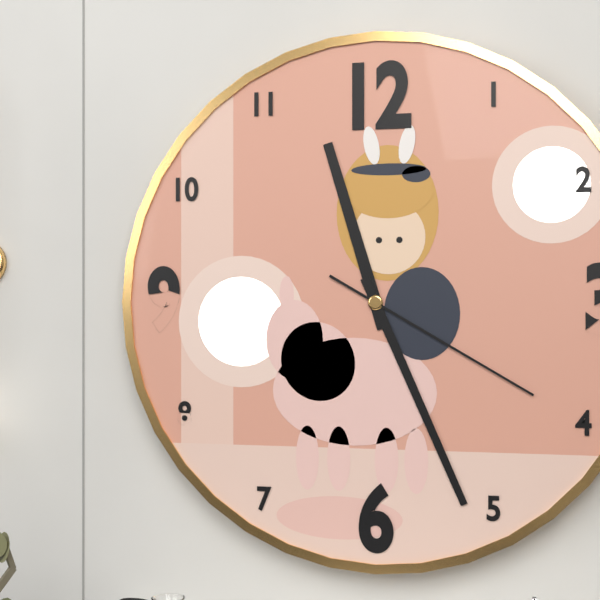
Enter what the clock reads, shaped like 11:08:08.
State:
11:26:20
